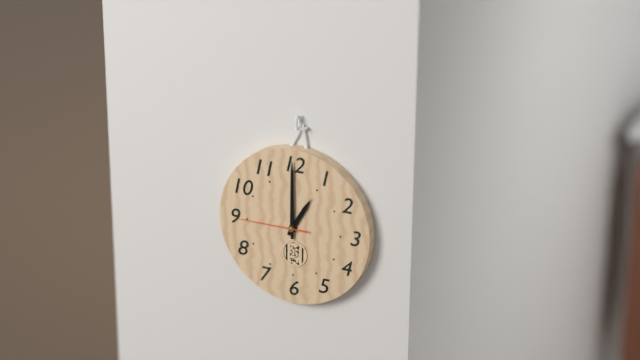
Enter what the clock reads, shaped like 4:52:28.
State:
1:00:45
